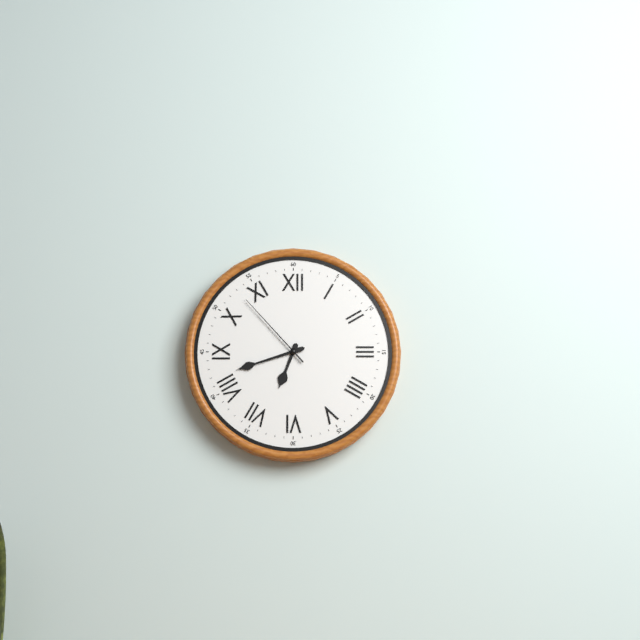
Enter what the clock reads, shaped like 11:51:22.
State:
6:42:53
